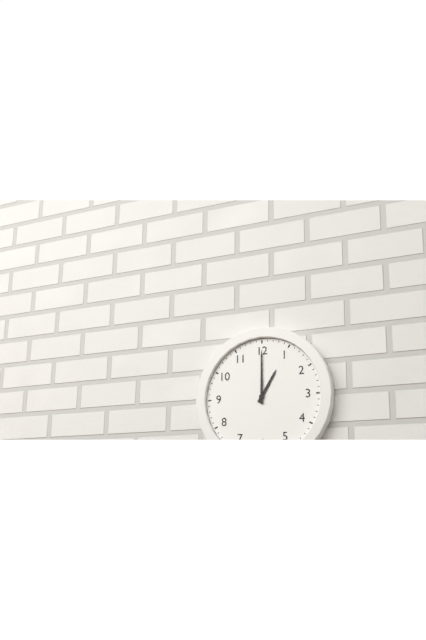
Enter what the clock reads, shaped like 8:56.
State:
1:00
